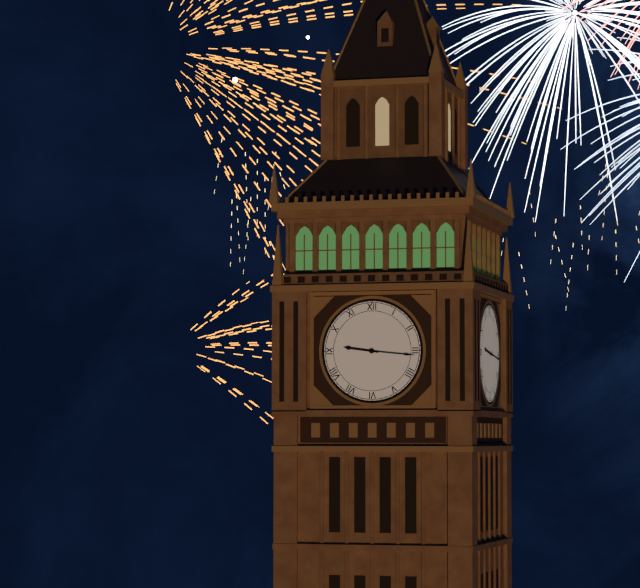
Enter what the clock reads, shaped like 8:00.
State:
9:16
